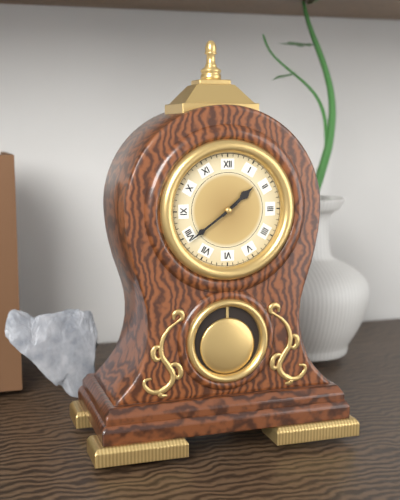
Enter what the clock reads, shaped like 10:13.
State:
1:39
